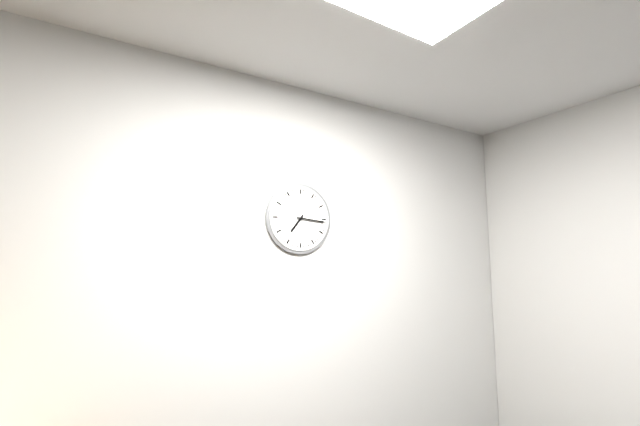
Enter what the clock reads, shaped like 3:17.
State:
7:16
